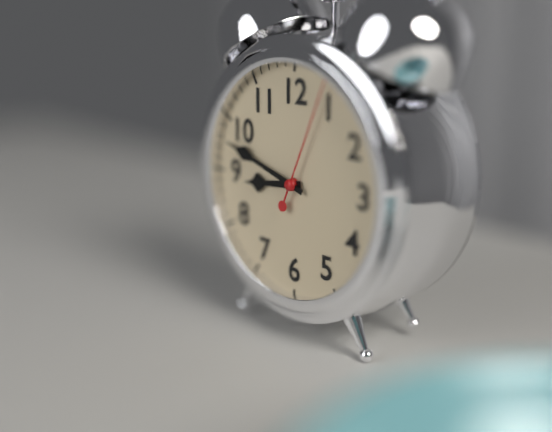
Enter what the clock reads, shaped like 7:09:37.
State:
8:48:04
